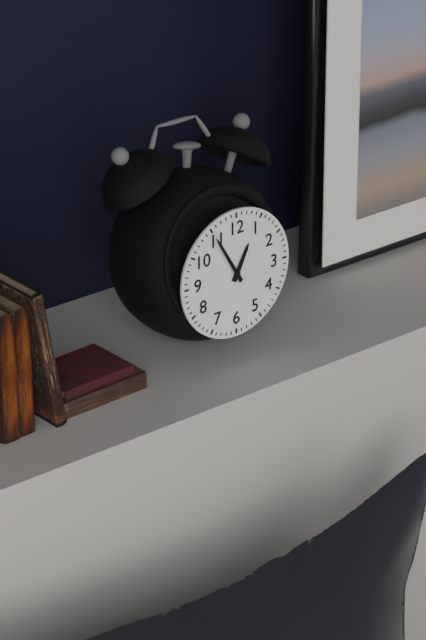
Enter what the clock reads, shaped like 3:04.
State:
12:55
